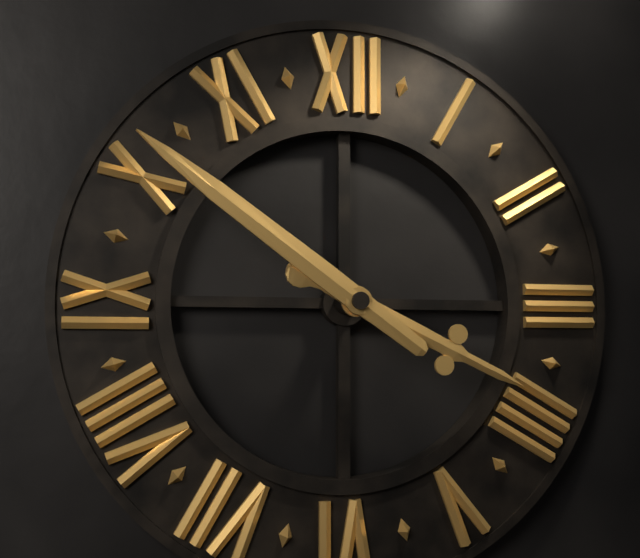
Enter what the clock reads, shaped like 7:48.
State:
3:51
